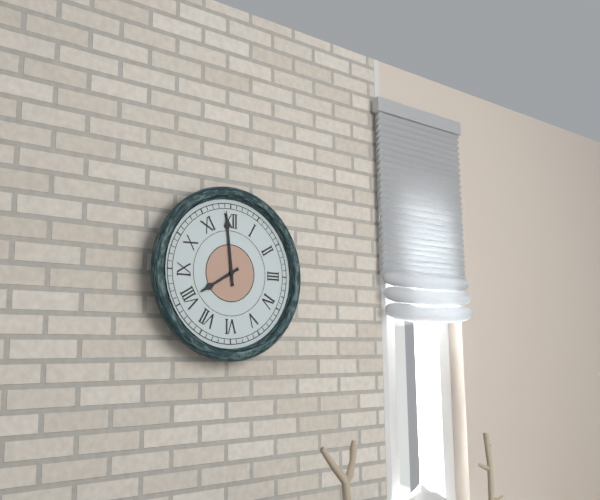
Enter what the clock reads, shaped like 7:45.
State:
7:59
